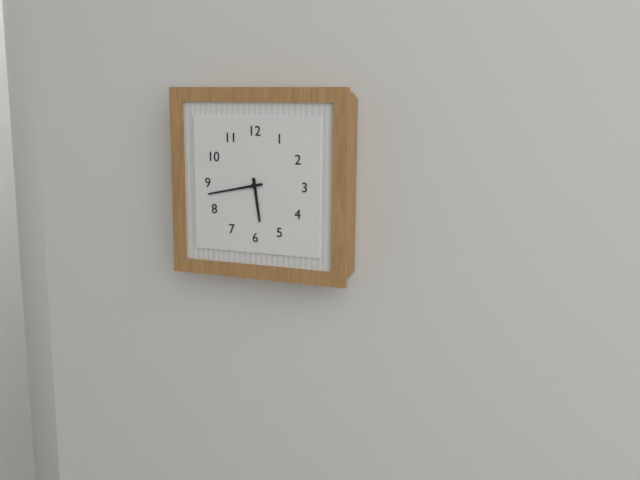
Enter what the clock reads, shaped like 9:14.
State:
5:43
